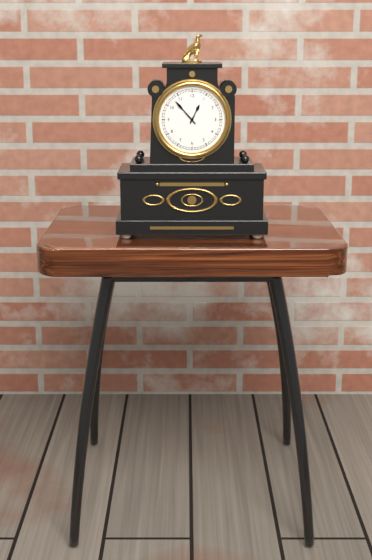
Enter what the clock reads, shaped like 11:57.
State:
12:53
